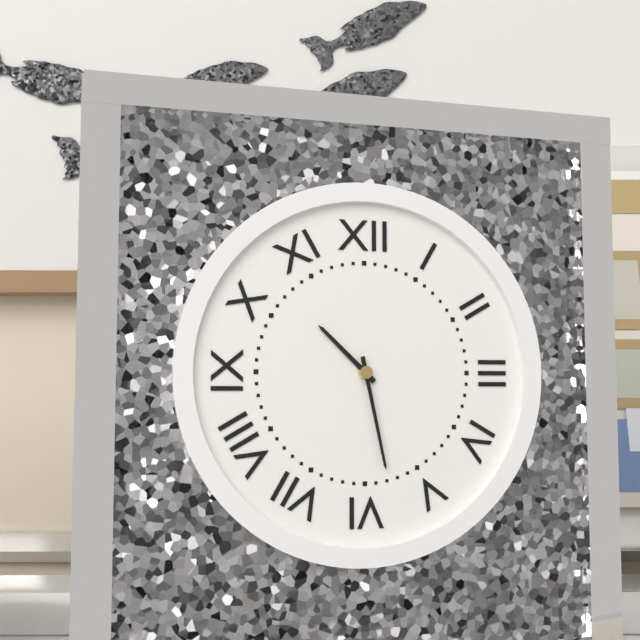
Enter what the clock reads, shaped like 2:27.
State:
10:28
